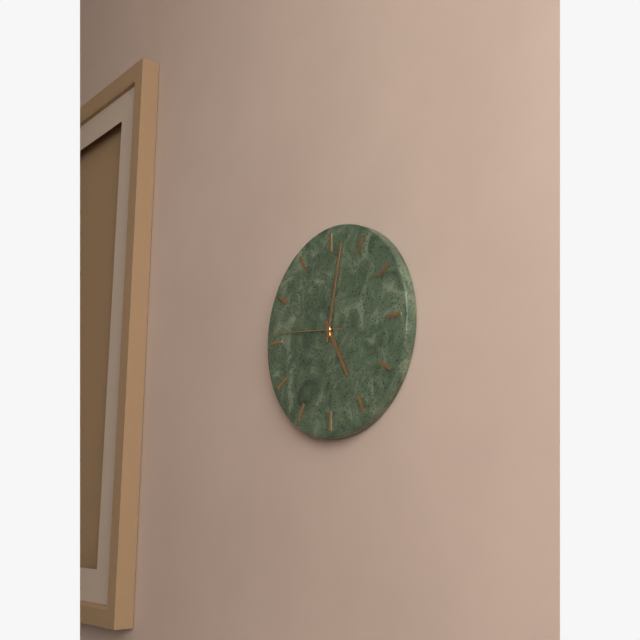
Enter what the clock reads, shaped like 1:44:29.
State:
5:02:46
